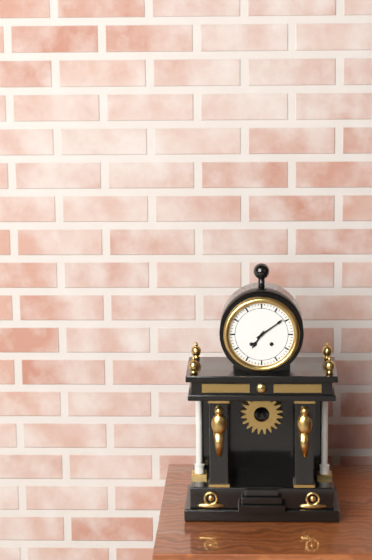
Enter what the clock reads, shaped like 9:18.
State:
7:09
